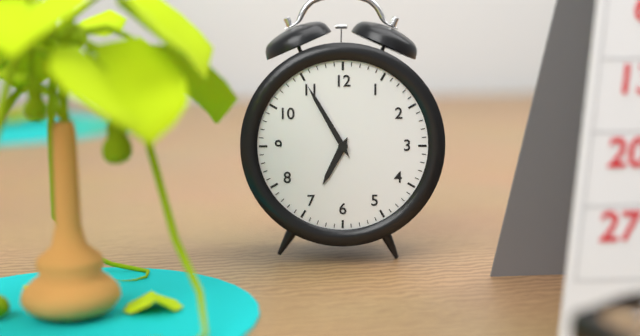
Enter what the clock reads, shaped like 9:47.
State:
6:55
